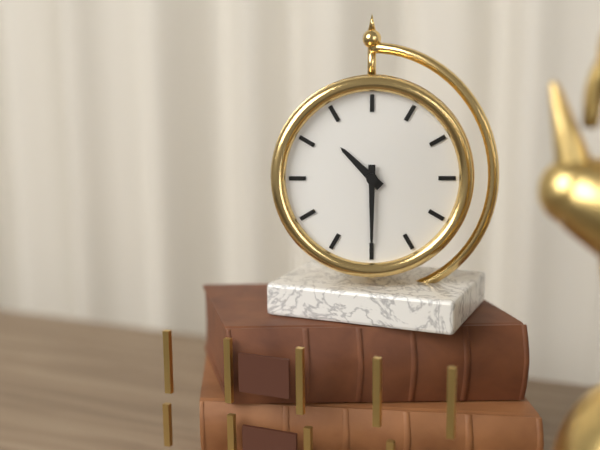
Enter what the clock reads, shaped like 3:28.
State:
10:30
